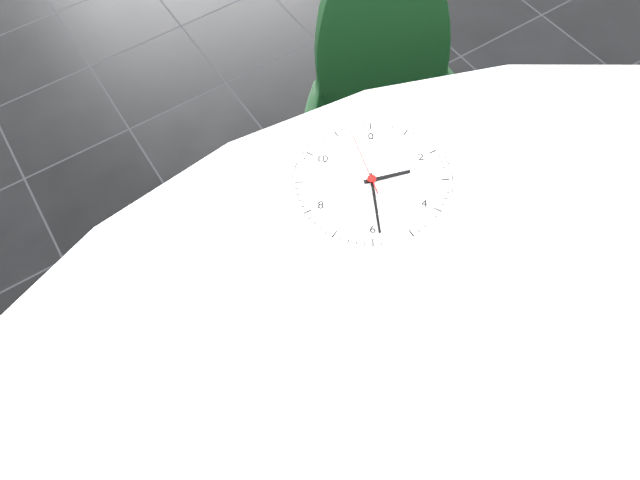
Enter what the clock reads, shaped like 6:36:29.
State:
2:29:57
